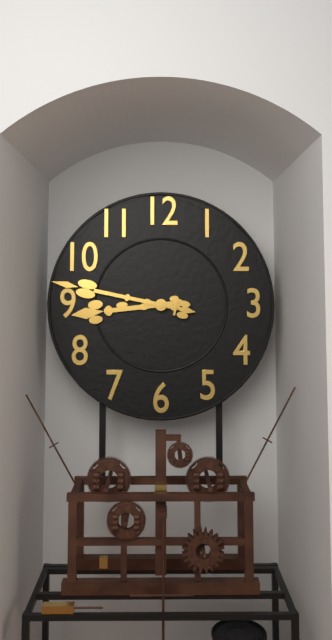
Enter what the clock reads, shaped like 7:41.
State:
8:47
